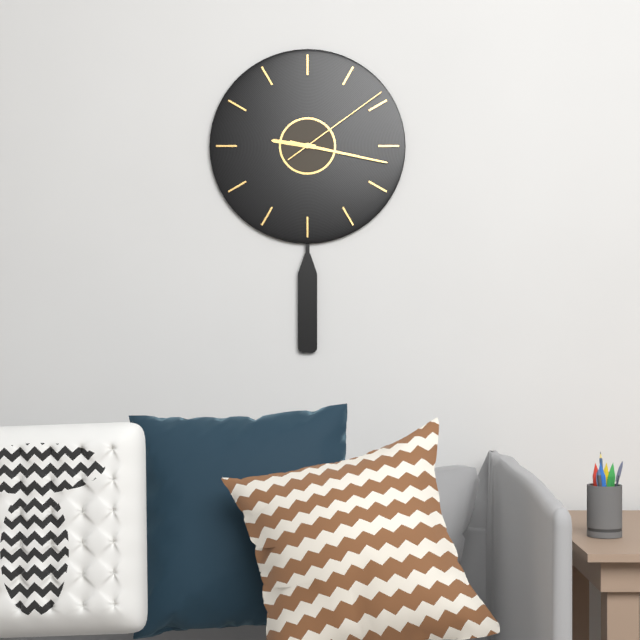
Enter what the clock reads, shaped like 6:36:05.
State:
9:17:09
